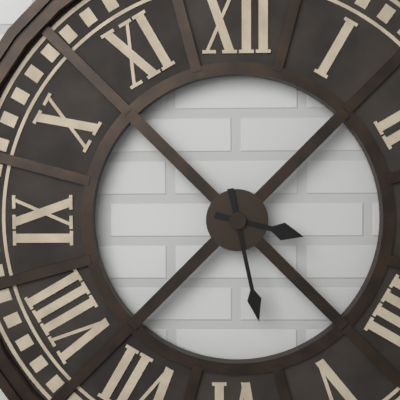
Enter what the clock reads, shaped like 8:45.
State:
3:28
